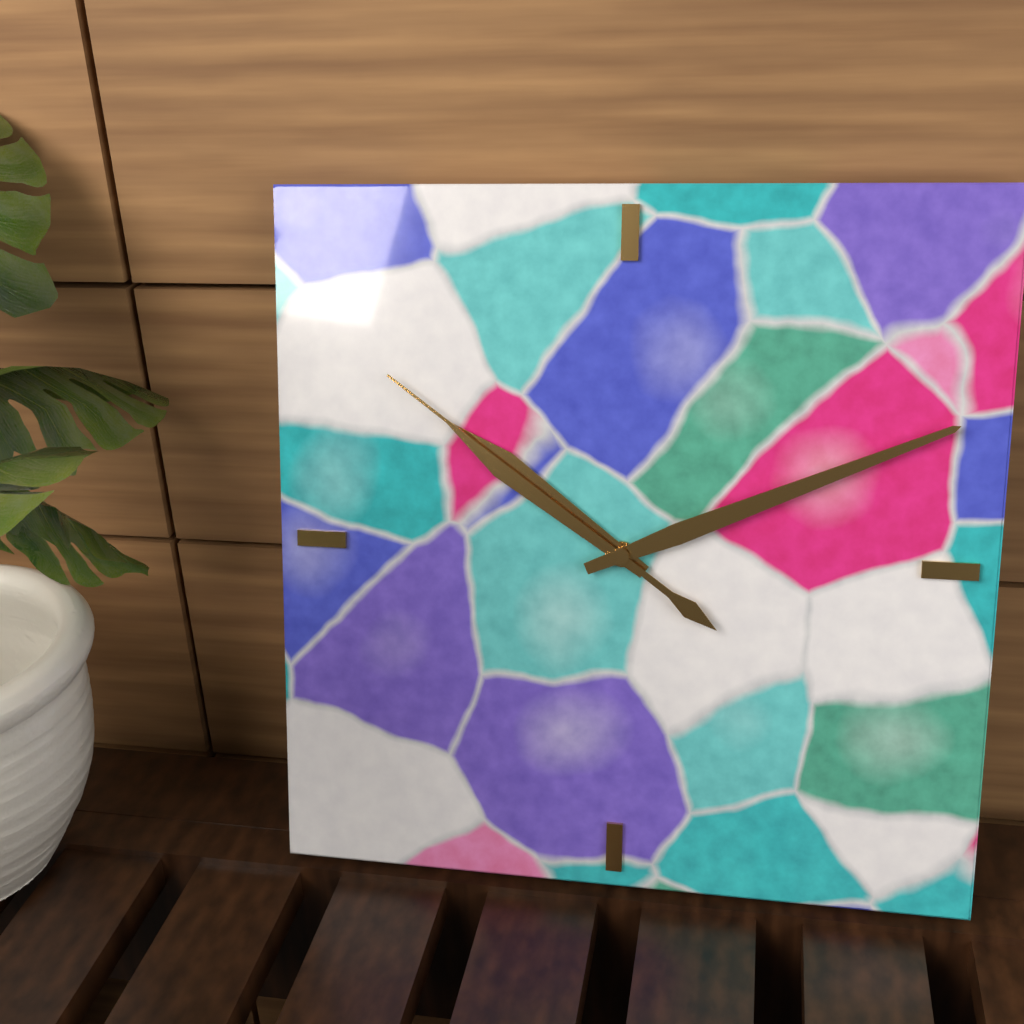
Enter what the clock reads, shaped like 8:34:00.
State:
10:11:51
